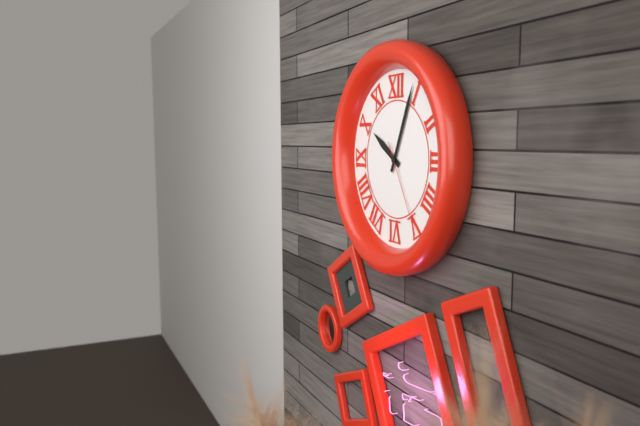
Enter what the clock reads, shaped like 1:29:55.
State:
10:04:25
